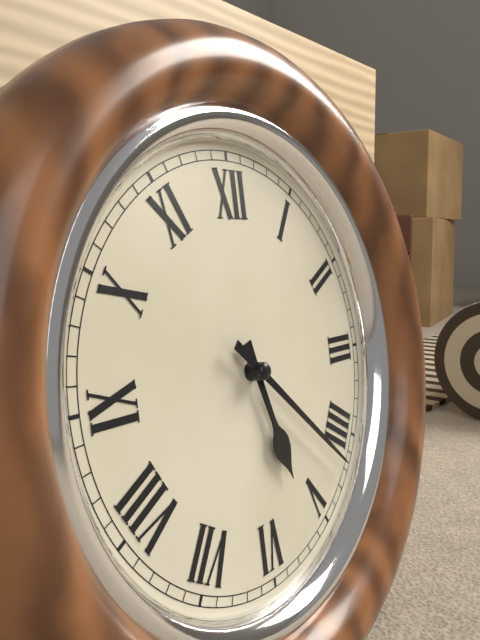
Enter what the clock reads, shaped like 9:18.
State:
5:22
